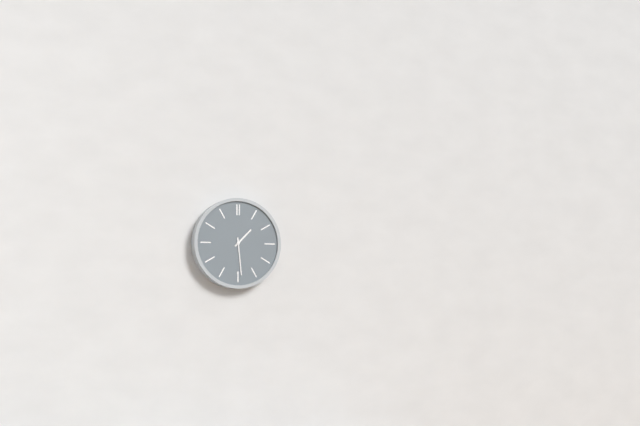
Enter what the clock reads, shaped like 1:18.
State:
1:29
